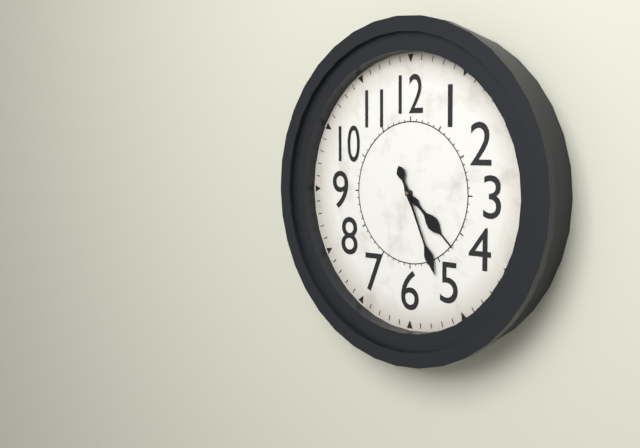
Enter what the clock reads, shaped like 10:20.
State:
4:26
